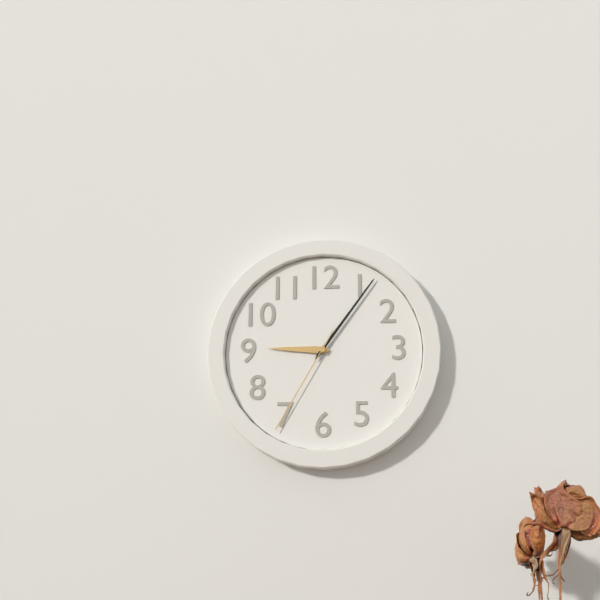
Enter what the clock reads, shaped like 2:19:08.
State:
9:06:35
